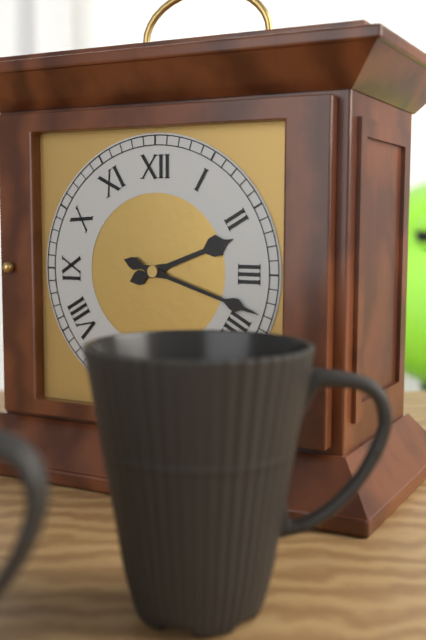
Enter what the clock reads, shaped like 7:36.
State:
2:18
